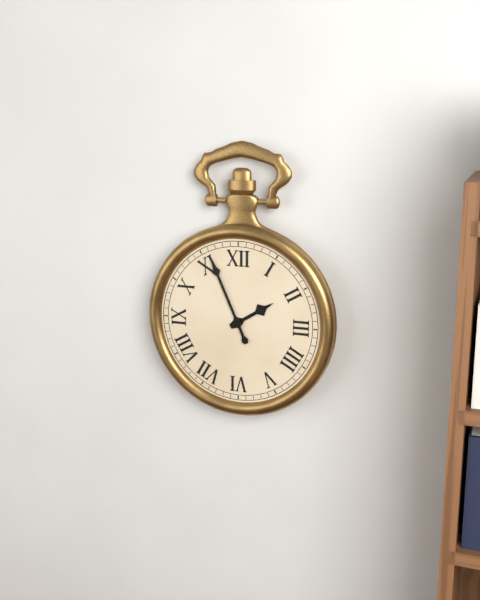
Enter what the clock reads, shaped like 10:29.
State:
1:56
